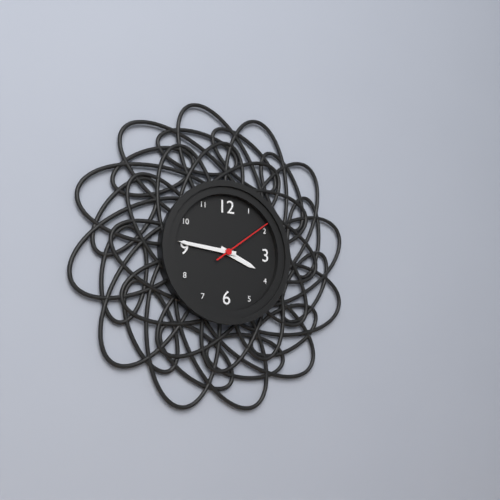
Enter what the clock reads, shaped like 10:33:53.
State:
3:46:09
